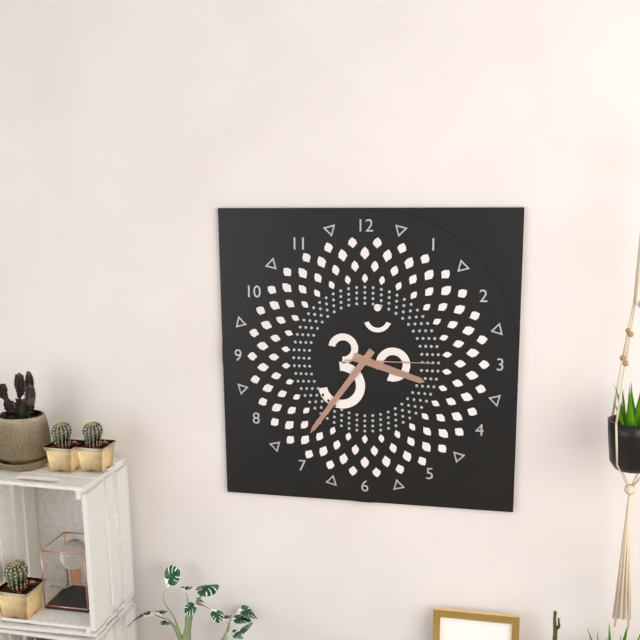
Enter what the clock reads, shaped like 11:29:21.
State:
3:36:15
